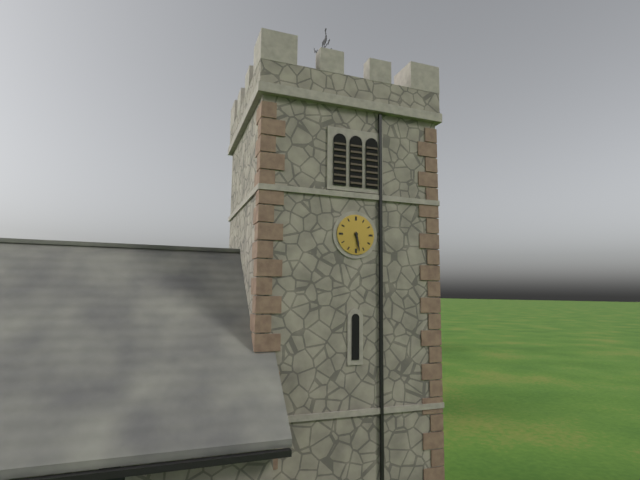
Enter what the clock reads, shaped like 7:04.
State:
5:28
